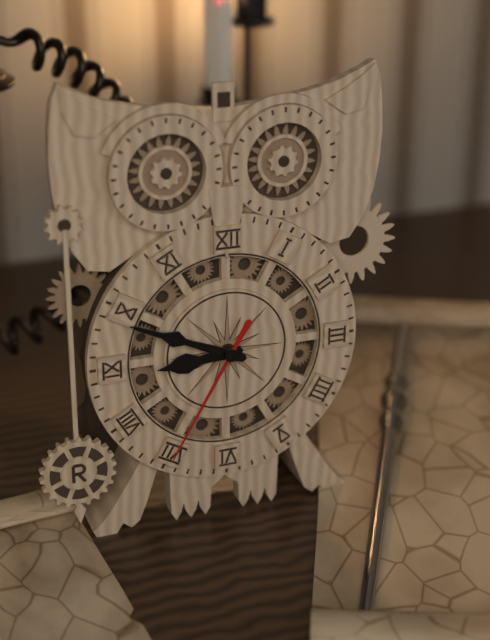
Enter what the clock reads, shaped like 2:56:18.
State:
8:49:35
